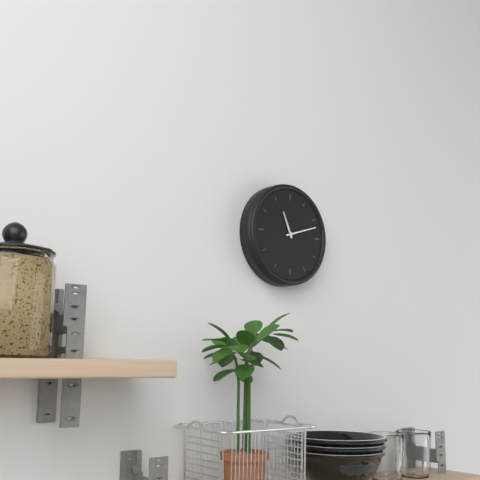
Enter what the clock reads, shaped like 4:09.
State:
11:12
